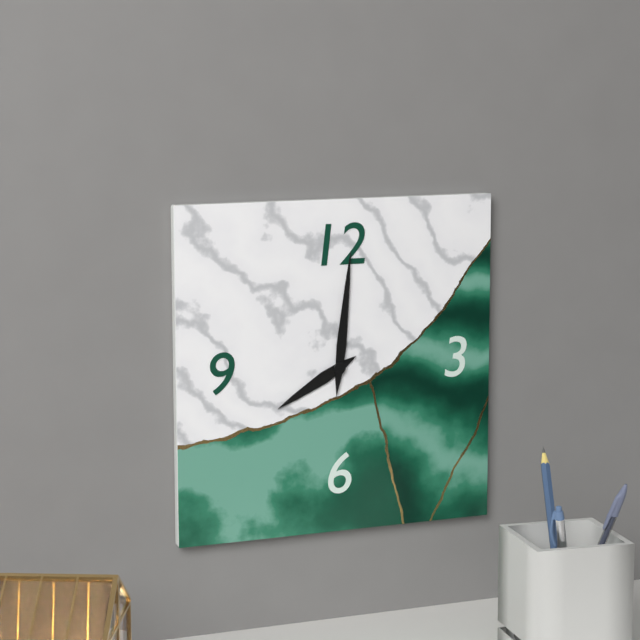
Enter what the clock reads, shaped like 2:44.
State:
8:01
